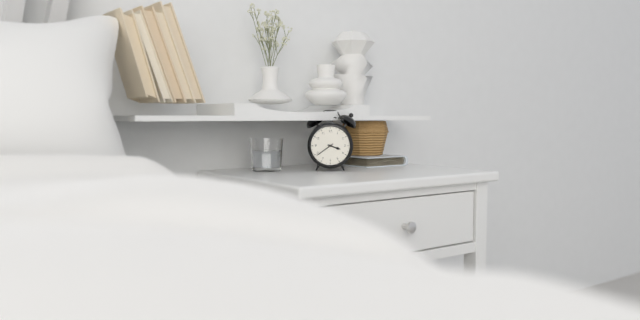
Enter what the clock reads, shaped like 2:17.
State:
3:39
